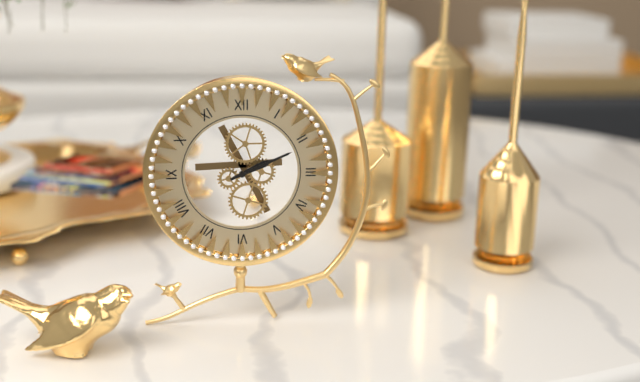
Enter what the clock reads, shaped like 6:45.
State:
2:11
